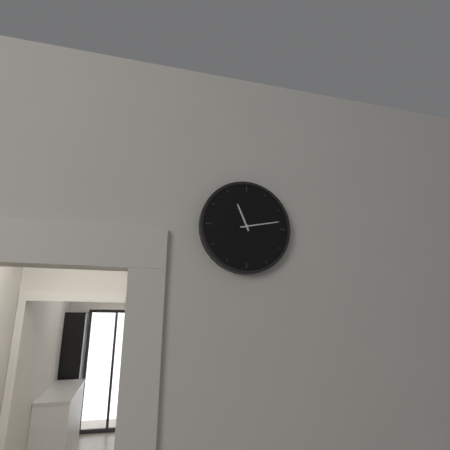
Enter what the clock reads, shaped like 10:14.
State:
11:13
